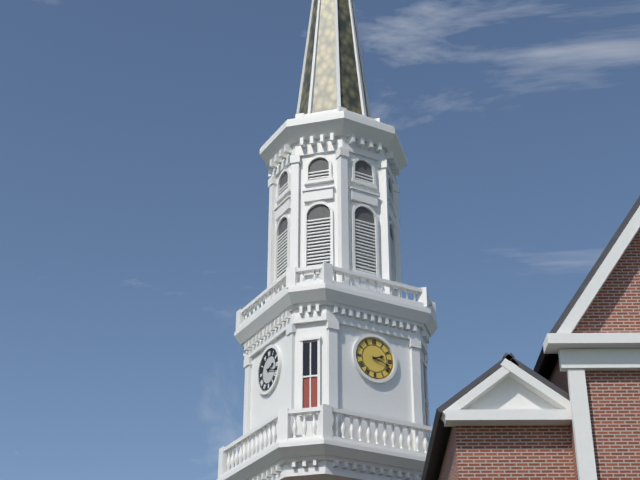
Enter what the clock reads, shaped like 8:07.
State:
2:18
